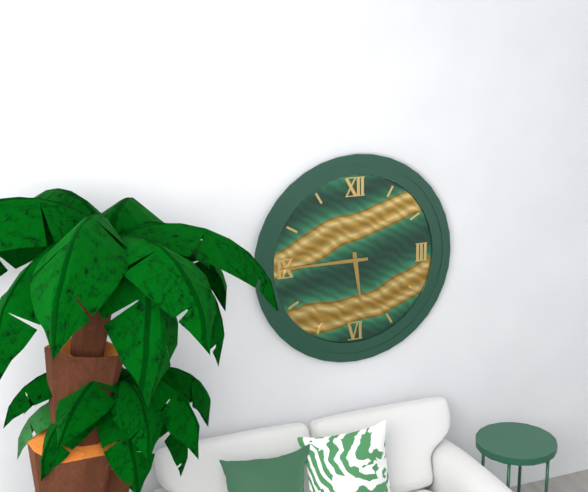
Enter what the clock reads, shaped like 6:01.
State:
5:45
